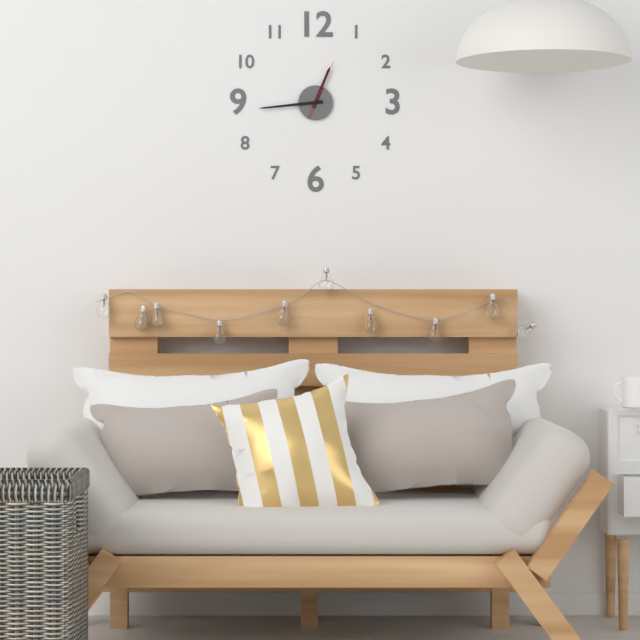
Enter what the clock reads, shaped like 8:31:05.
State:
12:44:04
